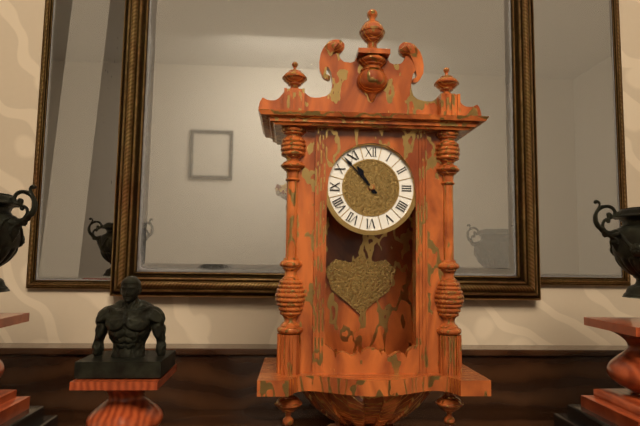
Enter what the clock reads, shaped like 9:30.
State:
10:53
